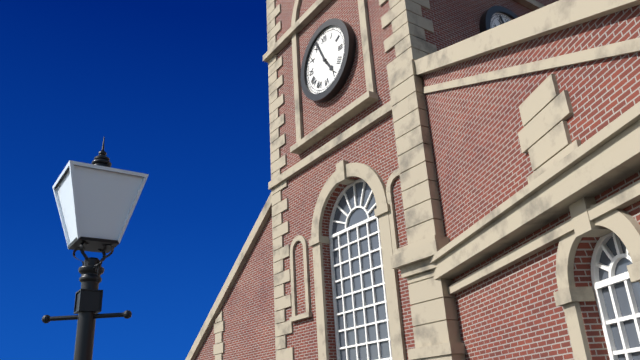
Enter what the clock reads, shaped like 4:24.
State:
4:56
